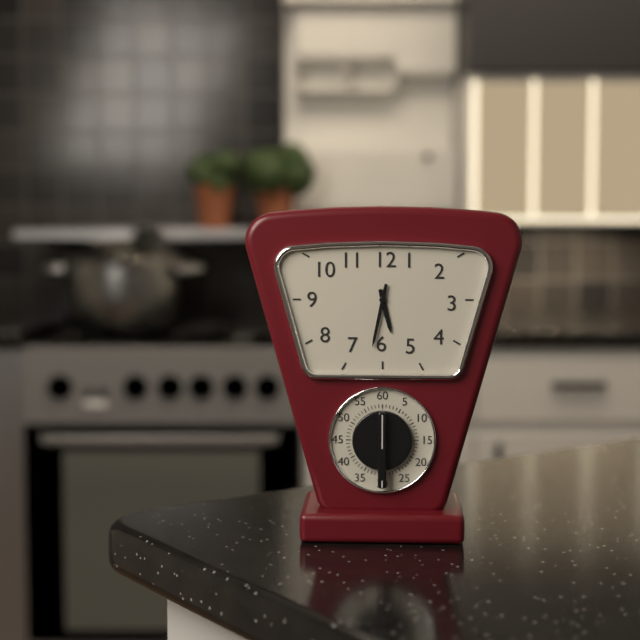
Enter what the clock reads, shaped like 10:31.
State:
5:32
